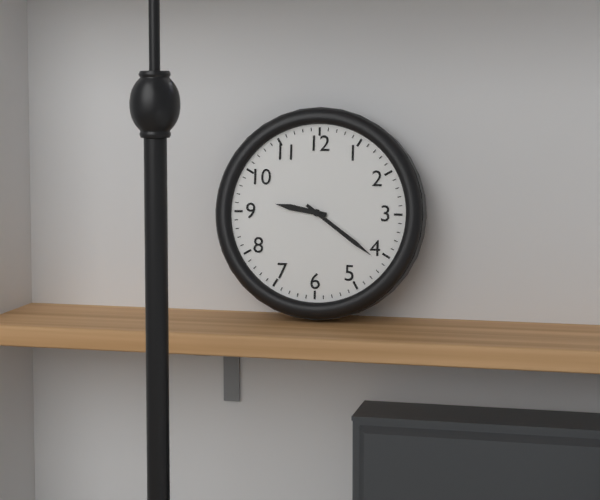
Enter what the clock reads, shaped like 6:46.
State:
9:21
